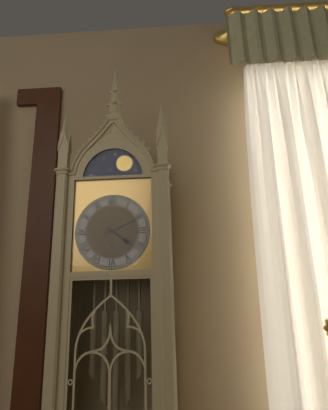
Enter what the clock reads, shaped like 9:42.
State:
4:11
